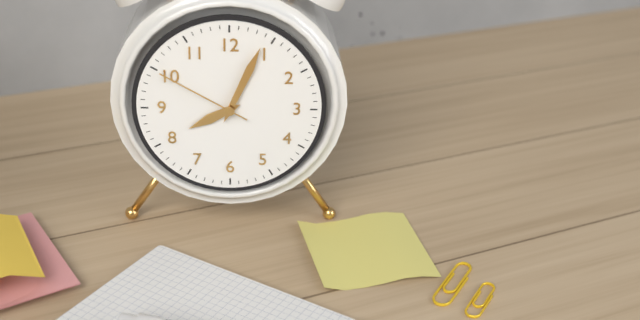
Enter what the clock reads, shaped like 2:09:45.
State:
8:04:50
